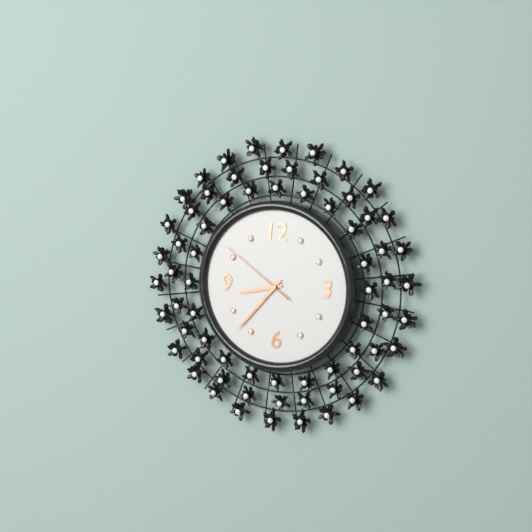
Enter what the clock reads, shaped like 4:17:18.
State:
8:37:51
